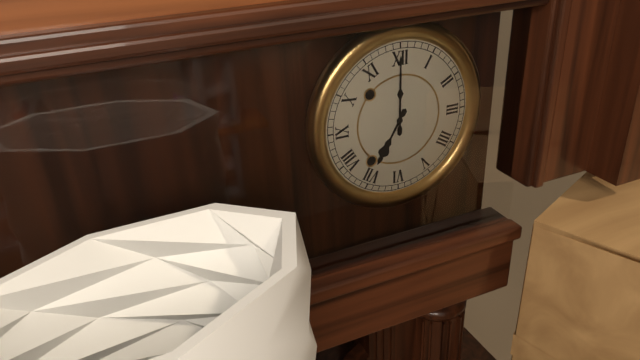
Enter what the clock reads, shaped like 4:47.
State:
7:00
